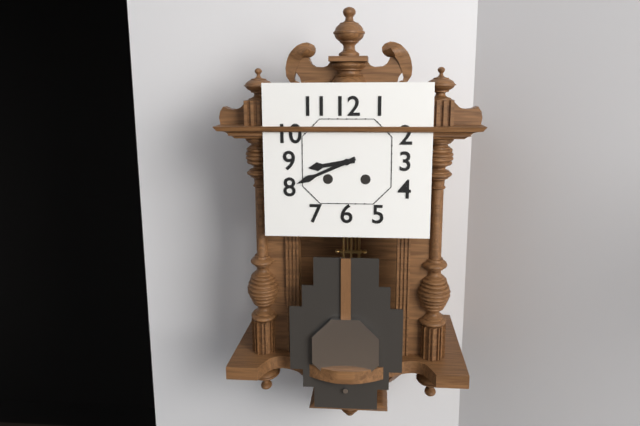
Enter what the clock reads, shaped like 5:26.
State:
8:41
